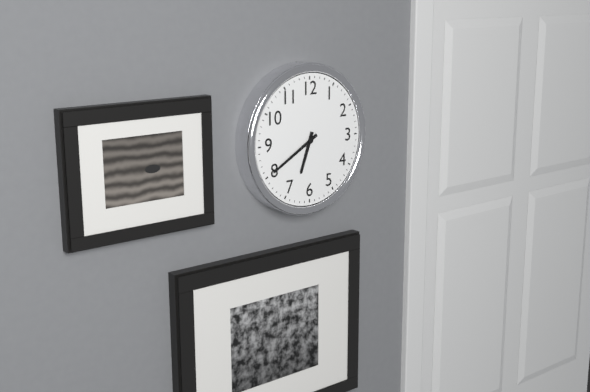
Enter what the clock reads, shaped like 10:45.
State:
6:40
